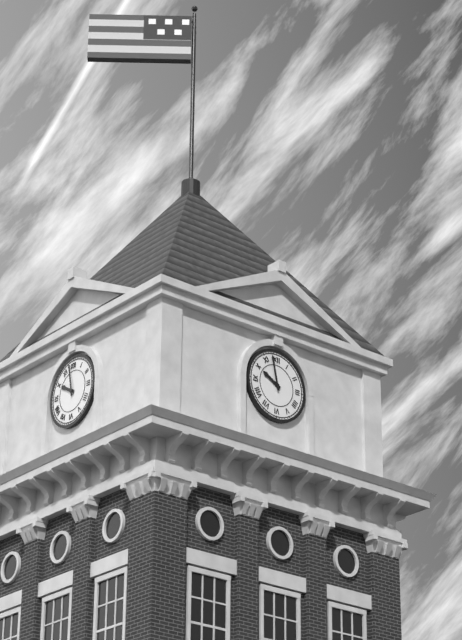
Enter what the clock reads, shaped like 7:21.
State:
9:58
